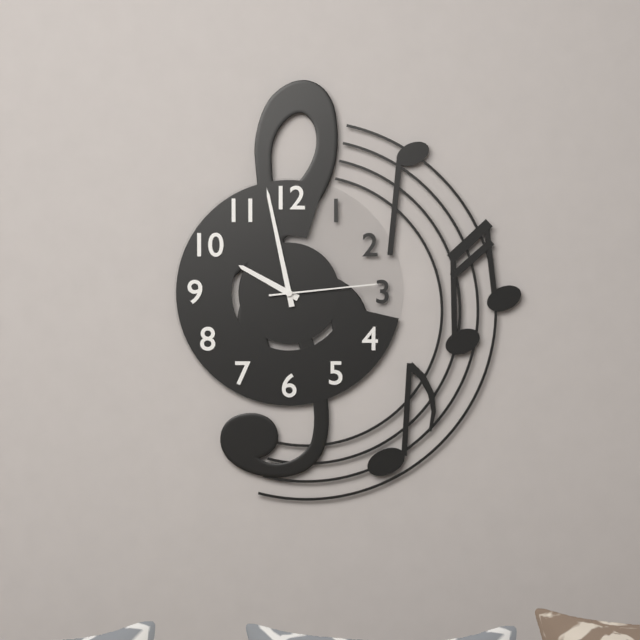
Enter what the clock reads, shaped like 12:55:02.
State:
9:58:14
